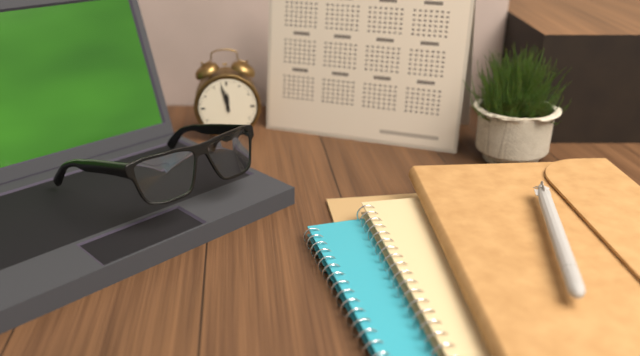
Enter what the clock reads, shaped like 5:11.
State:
11:58
